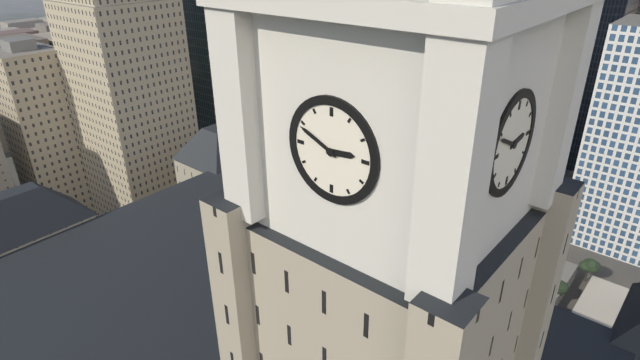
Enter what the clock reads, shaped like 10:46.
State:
2:49
